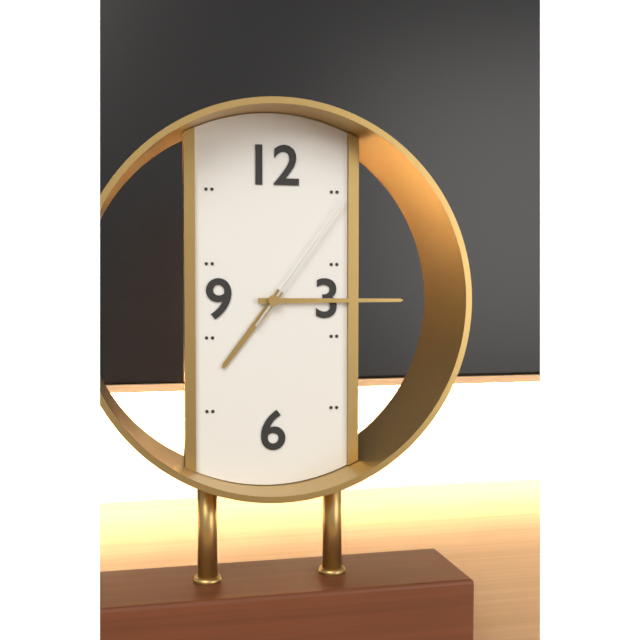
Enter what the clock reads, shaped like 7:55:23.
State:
7:15:06
